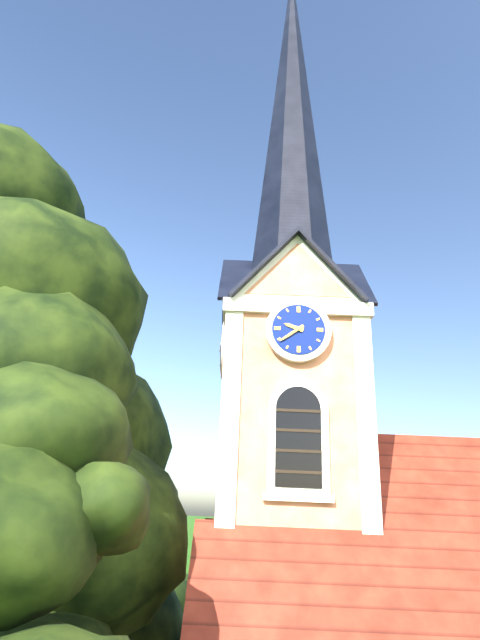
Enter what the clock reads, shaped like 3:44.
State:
9:39
